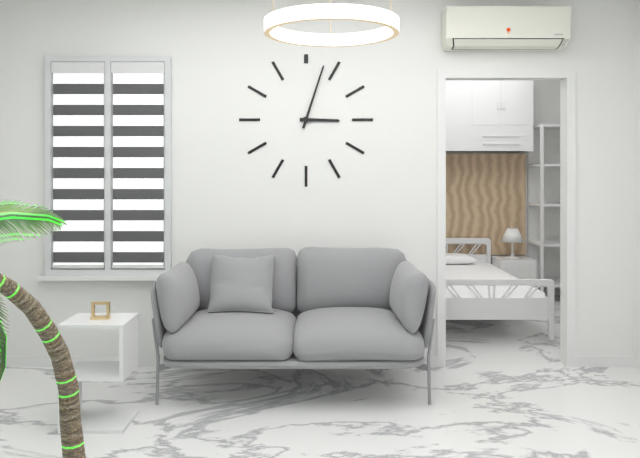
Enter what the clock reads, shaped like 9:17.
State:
3:03
